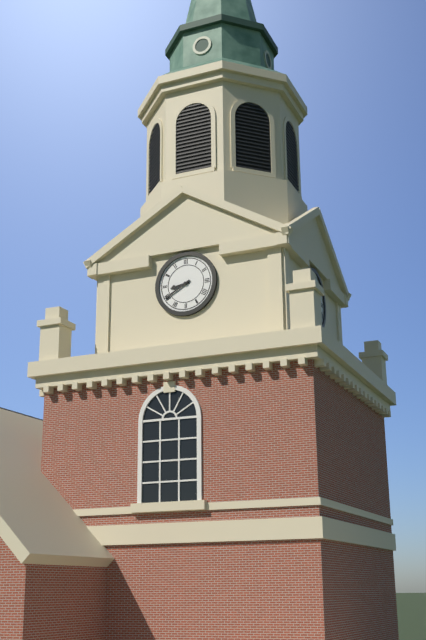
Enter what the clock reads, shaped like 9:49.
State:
8:40
